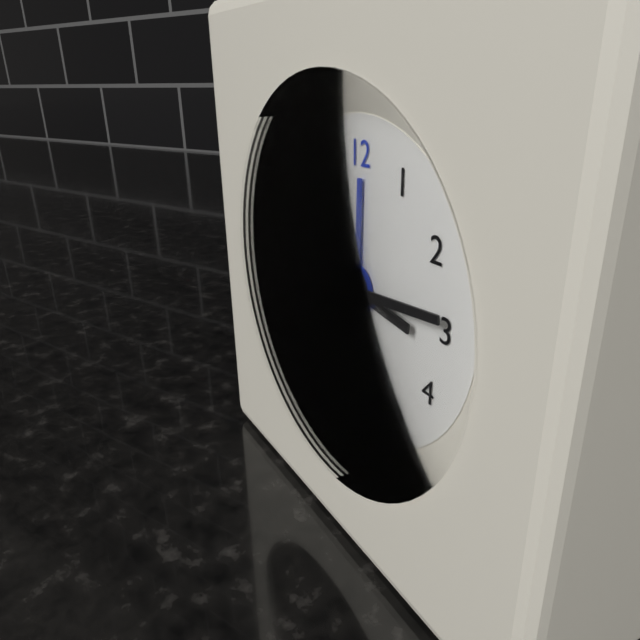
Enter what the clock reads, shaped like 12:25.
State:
3:14
